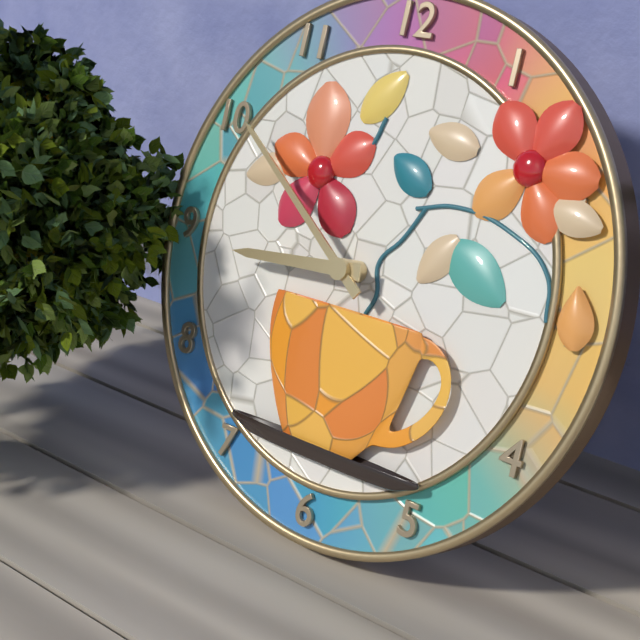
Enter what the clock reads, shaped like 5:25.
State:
8:51
